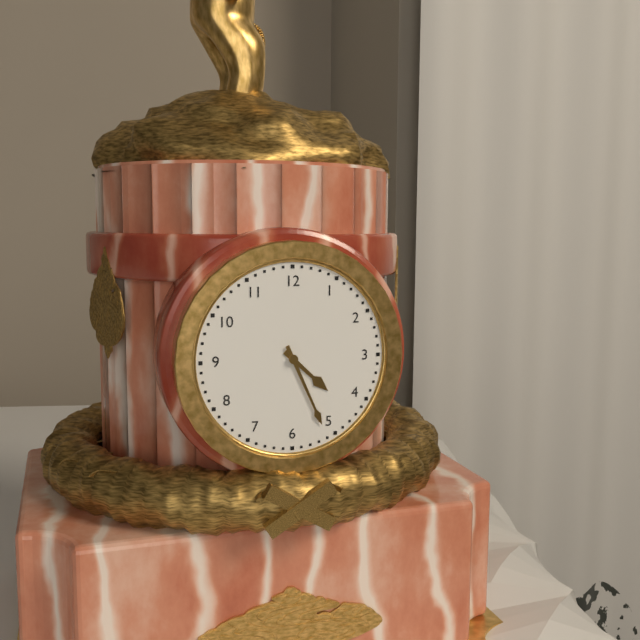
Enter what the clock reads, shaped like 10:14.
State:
4:26
